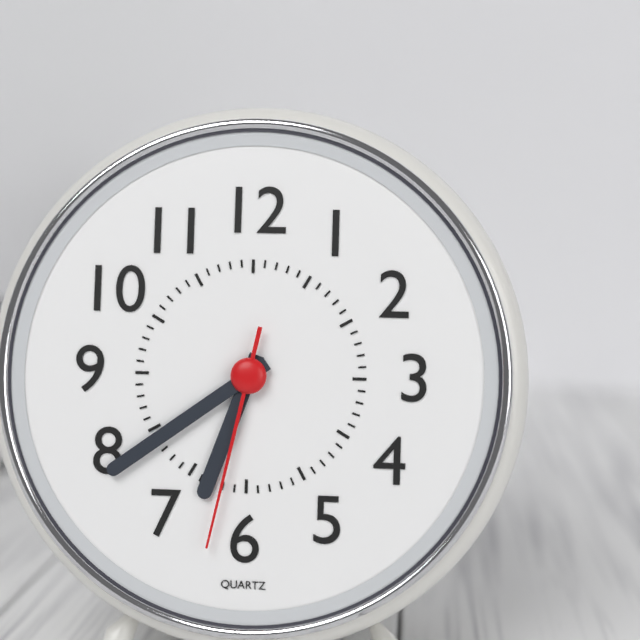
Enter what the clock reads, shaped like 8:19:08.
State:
6:39:32
